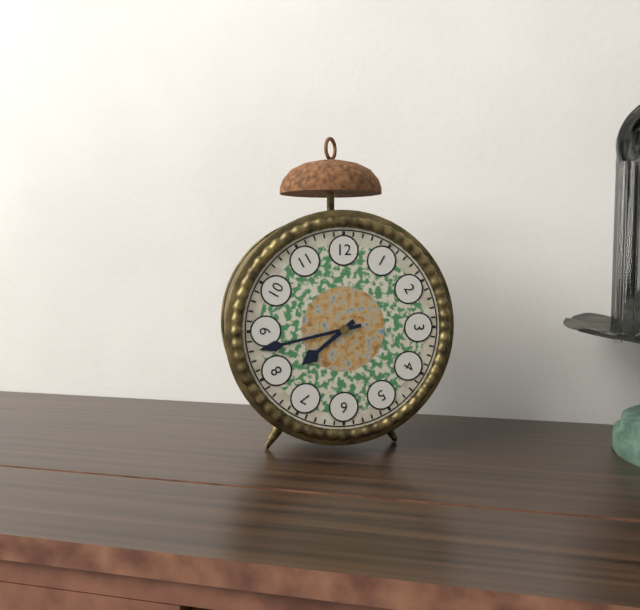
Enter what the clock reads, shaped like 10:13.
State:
7:43
